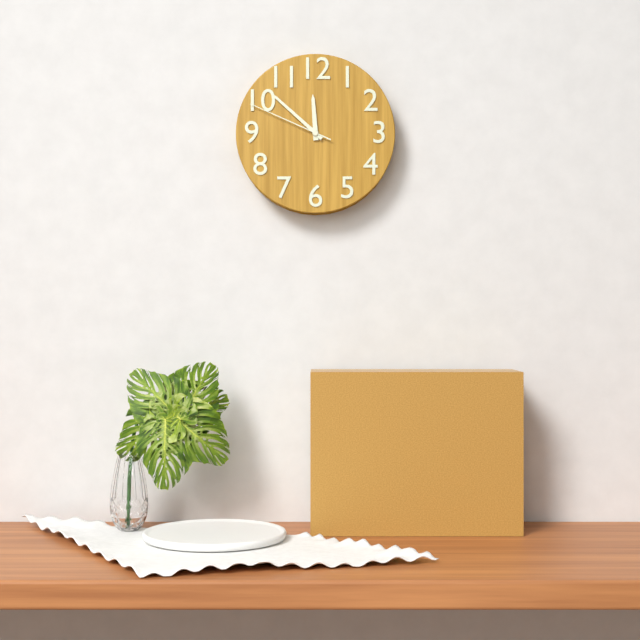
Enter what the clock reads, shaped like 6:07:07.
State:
11:52:49
